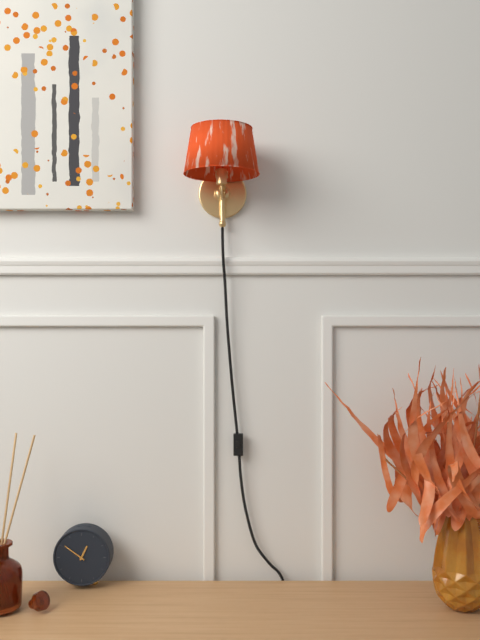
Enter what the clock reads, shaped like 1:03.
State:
12:51
